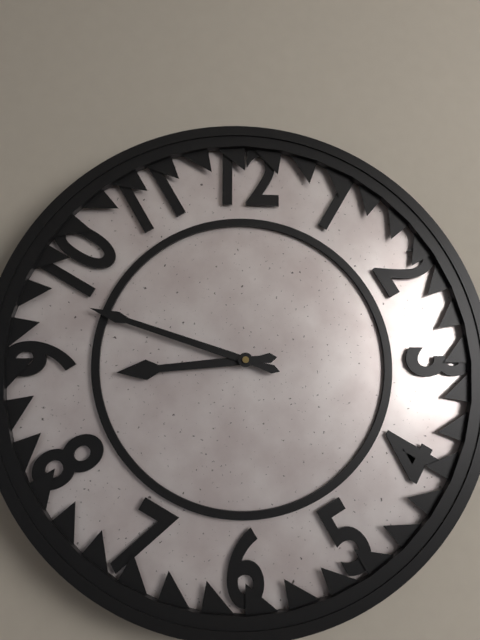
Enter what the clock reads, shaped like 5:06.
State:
8:48
